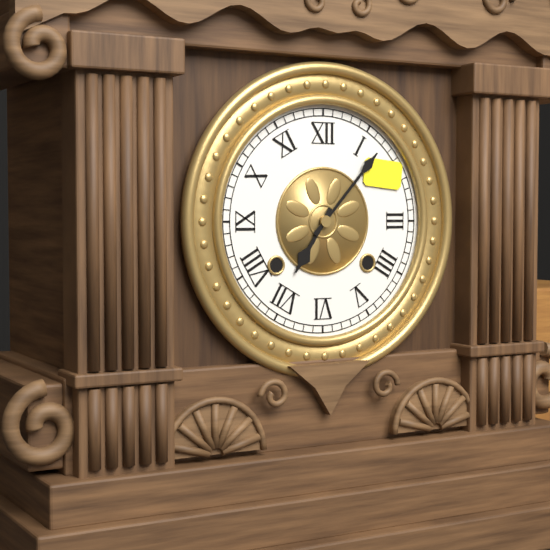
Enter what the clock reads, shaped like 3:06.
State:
7:07
